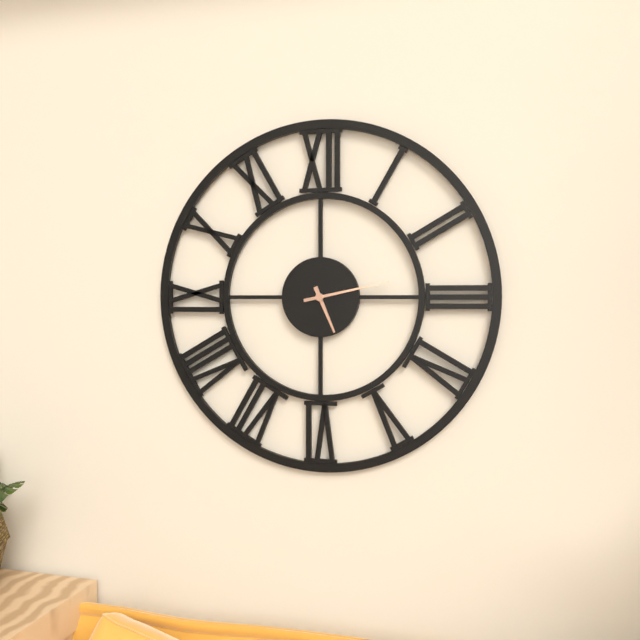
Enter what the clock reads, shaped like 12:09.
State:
5:13
